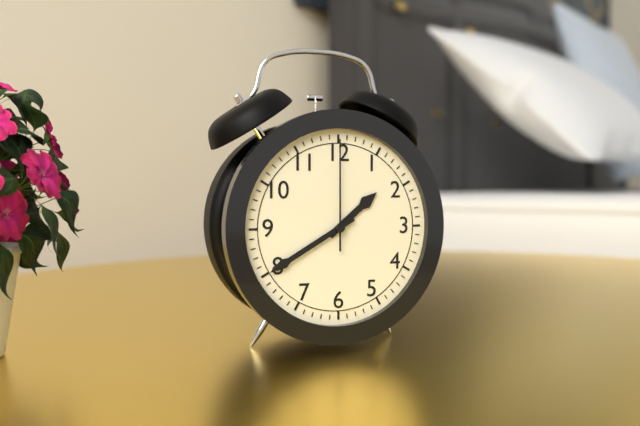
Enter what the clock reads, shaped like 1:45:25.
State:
1:40:00
